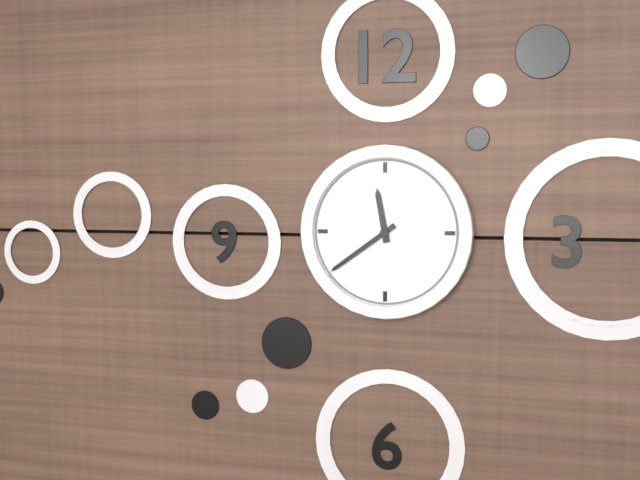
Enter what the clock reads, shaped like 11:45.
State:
11:39
